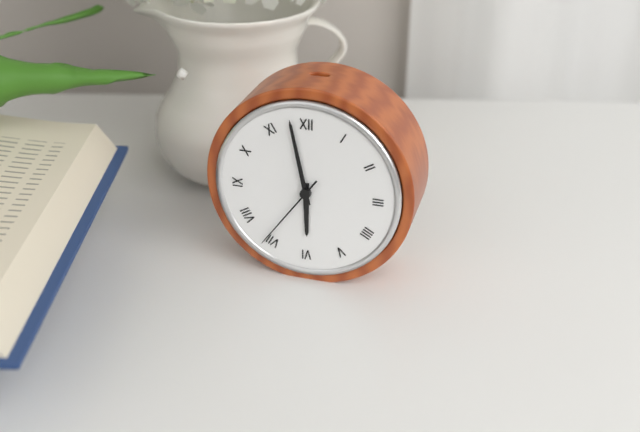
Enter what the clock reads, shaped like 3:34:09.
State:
5:58:36
